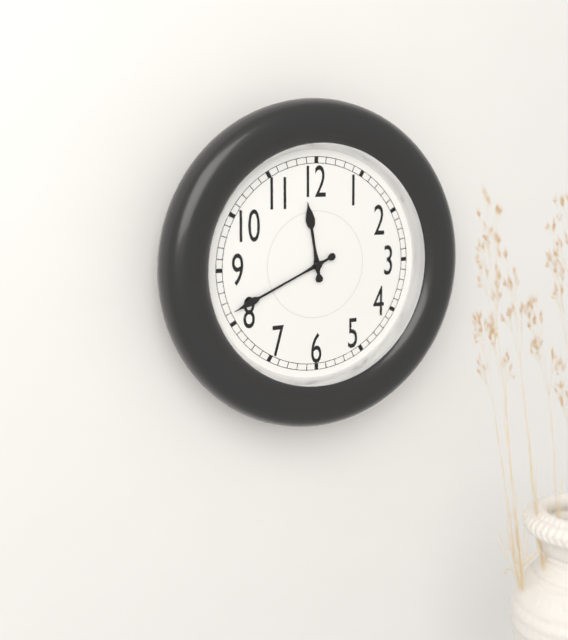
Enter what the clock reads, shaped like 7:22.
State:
11:41
